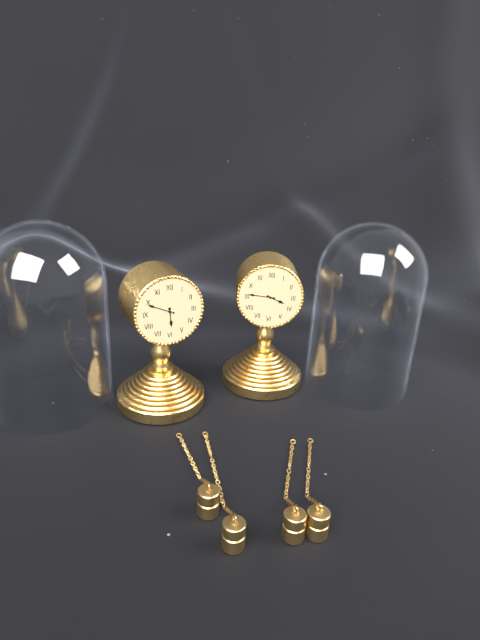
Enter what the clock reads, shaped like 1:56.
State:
5:49
